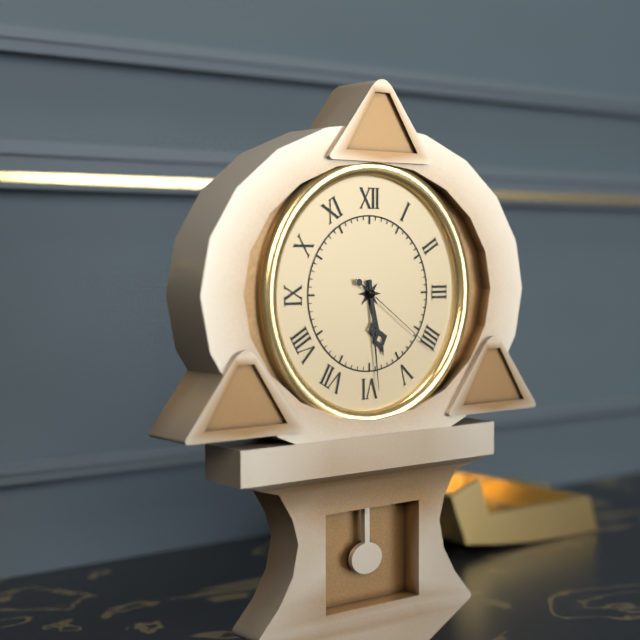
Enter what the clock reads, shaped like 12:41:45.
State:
5:29:21
